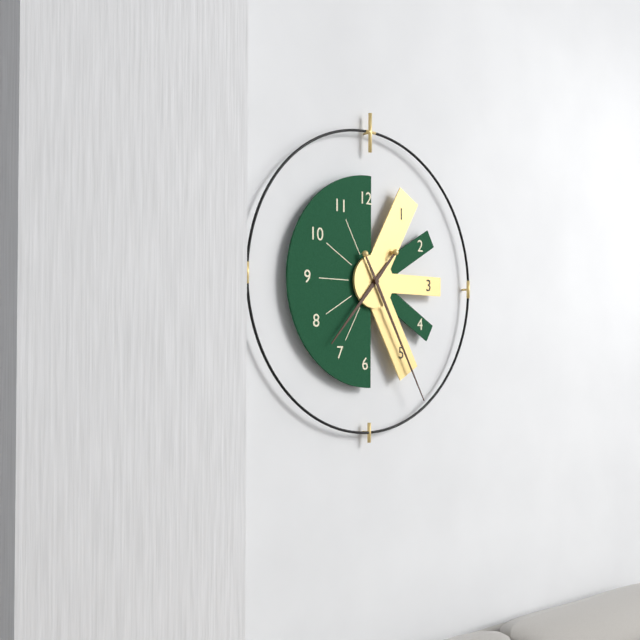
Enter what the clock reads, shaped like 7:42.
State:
7:25
